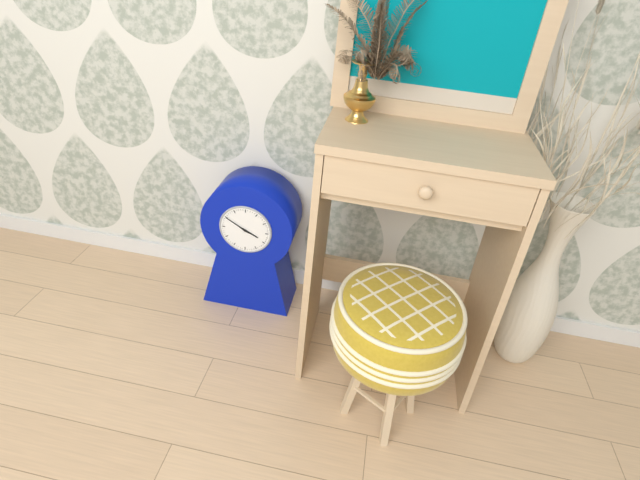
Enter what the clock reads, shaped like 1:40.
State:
3:50
